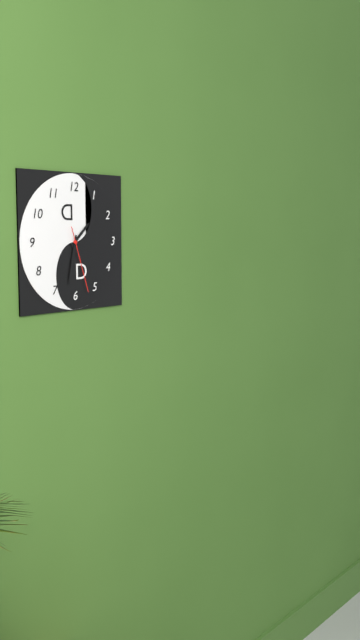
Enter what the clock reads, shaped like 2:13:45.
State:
1:32:27
